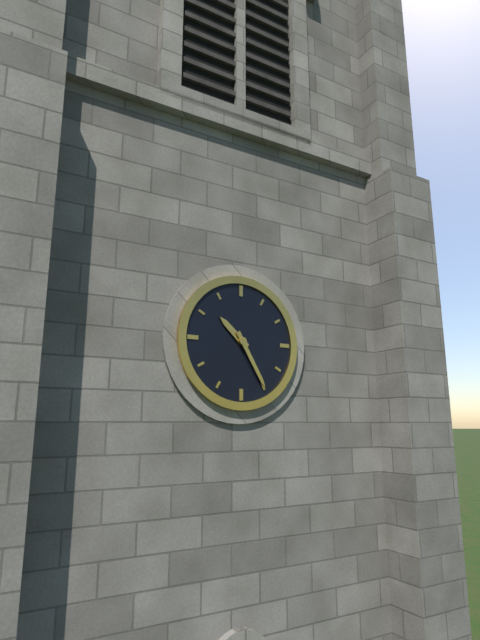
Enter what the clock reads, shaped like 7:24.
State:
10:25
